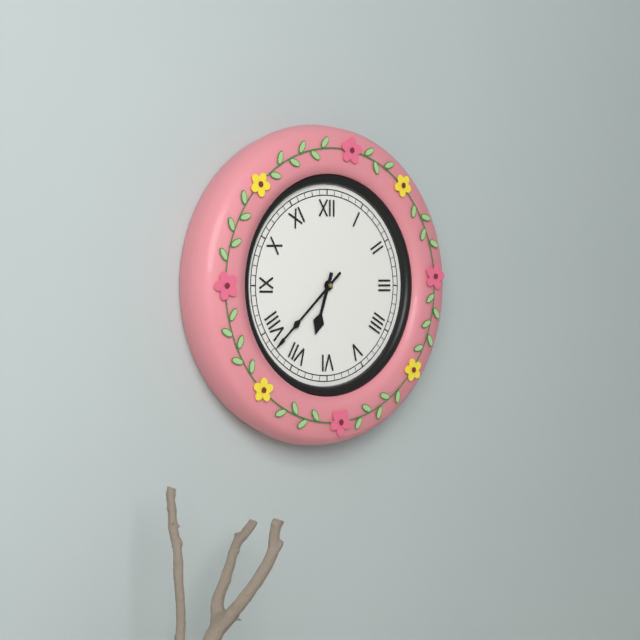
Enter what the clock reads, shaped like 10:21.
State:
6:38
